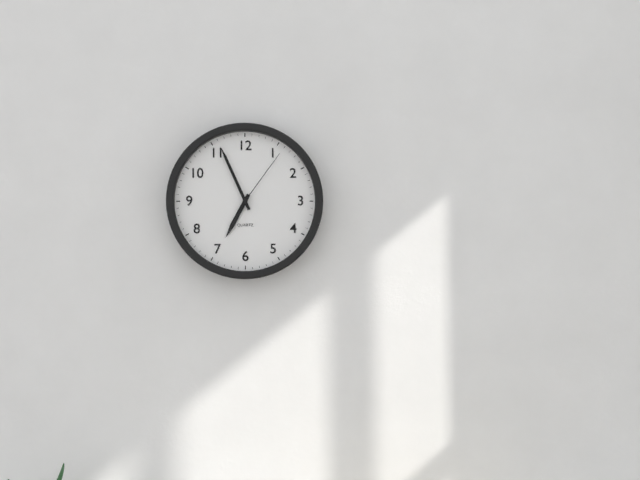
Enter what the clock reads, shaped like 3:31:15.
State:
6:56:06
